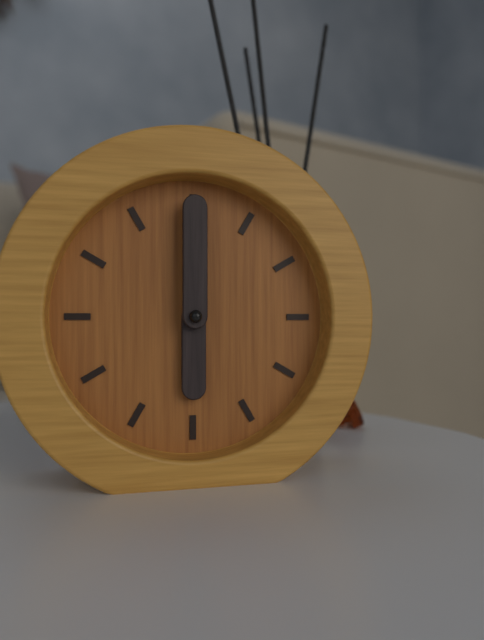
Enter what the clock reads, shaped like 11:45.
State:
6:00
